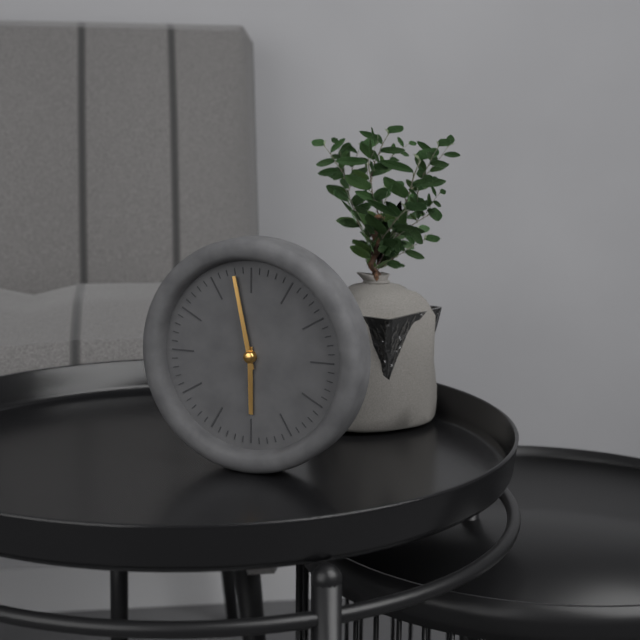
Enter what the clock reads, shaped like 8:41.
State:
5:58
